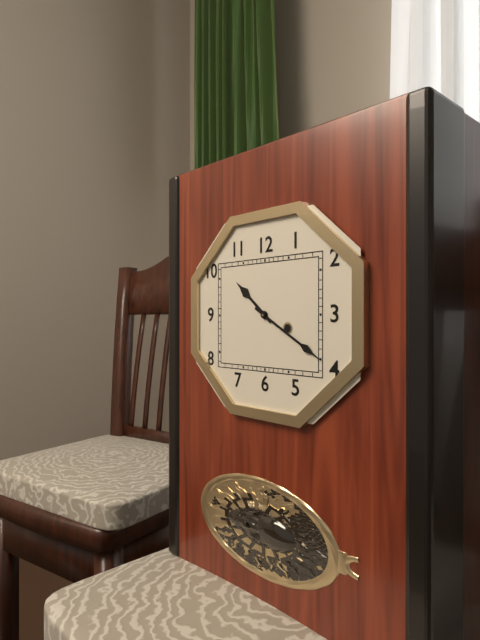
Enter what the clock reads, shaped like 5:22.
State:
10:20
